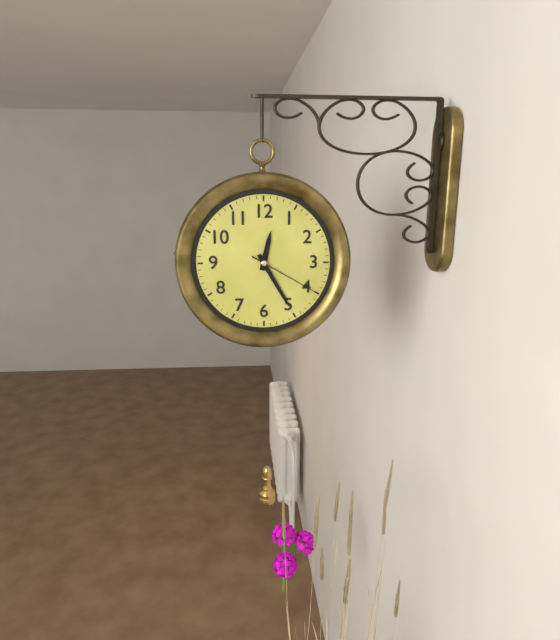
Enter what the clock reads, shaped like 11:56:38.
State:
12:25:20
